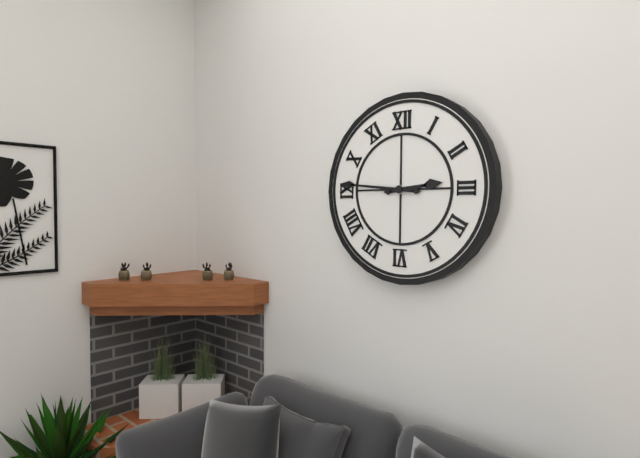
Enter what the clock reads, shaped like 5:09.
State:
2:46
